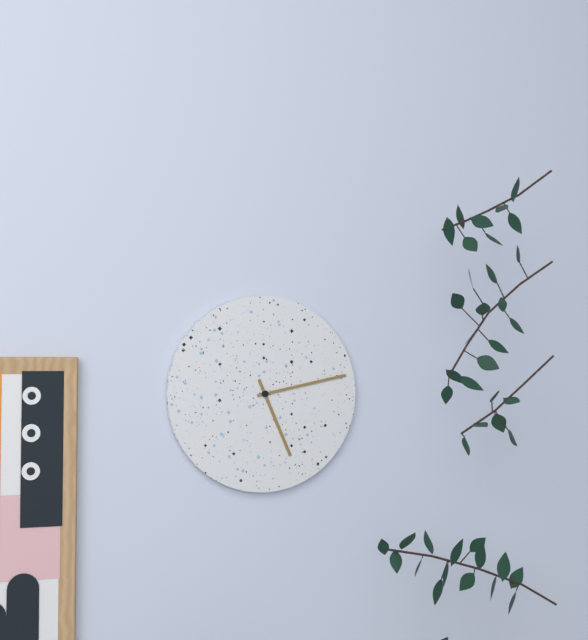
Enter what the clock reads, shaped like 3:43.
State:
5:13
